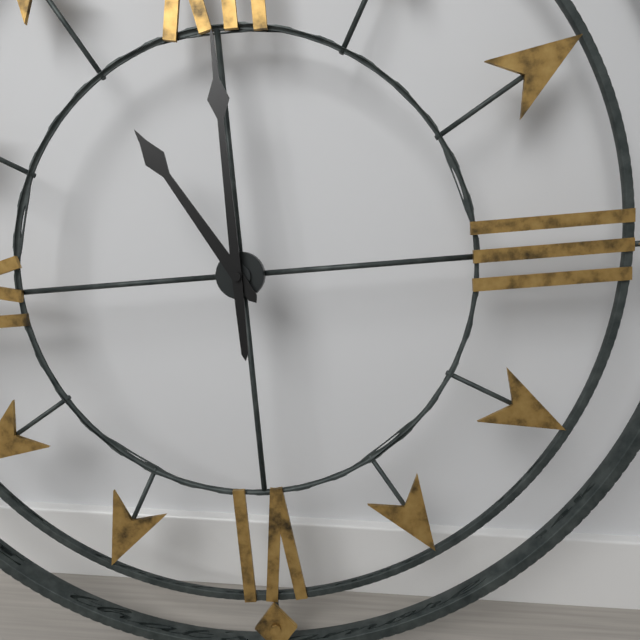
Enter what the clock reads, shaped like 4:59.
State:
11:00
